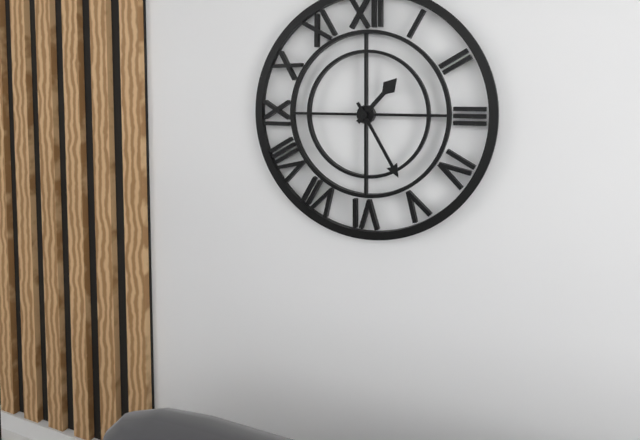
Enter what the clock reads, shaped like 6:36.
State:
1:25
